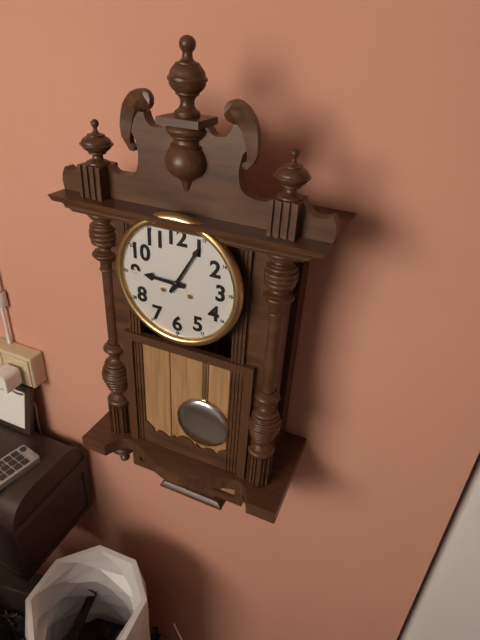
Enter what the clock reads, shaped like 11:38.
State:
9:05
